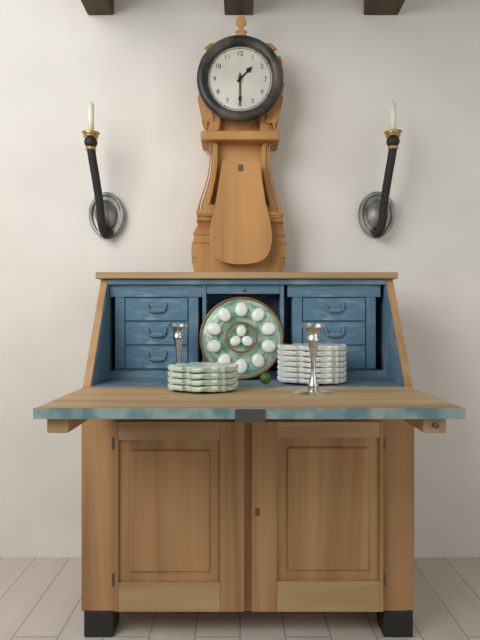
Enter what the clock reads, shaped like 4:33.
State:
1:30
